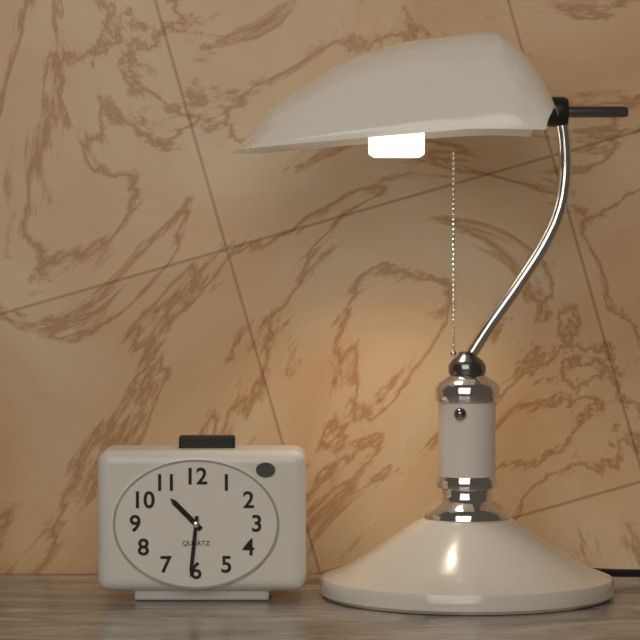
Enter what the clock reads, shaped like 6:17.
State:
10:31
